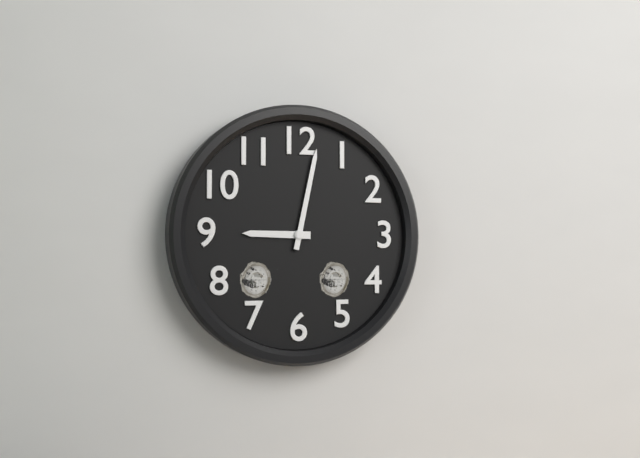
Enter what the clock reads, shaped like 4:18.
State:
9:02
